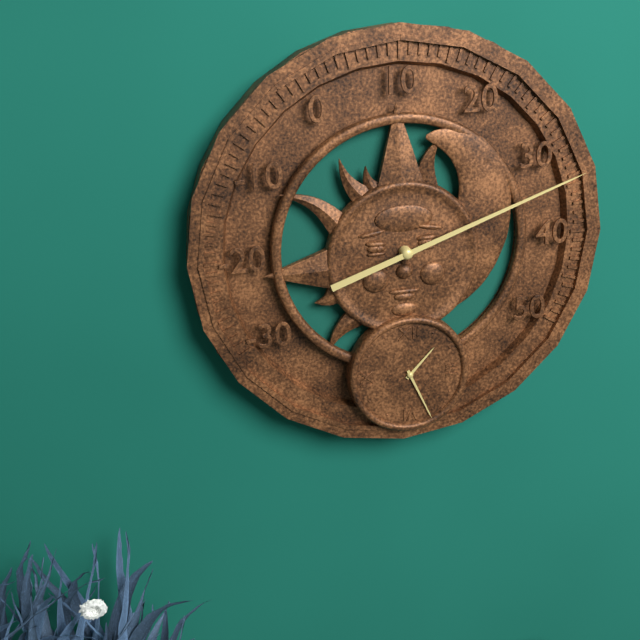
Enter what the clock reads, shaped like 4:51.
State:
1:26
